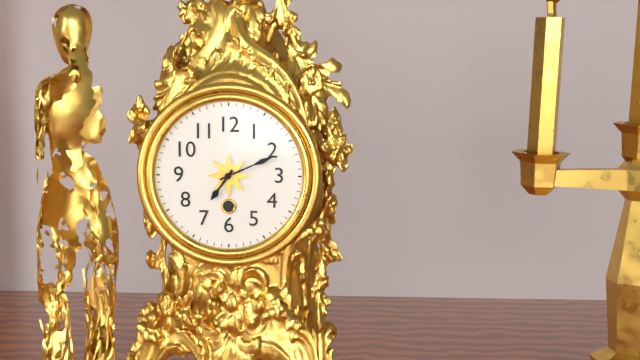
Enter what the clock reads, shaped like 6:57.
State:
7:11
